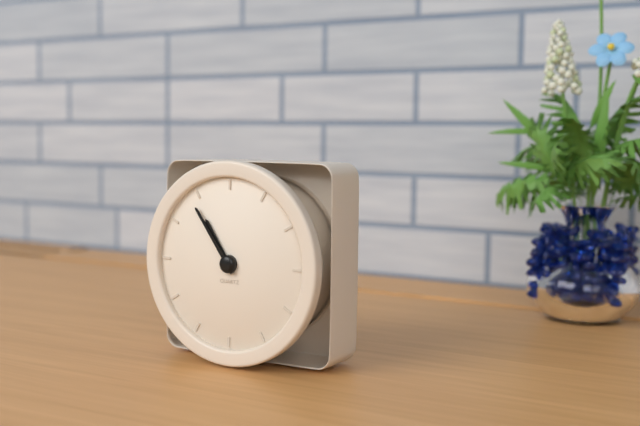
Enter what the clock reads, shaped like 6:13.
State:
10:54
